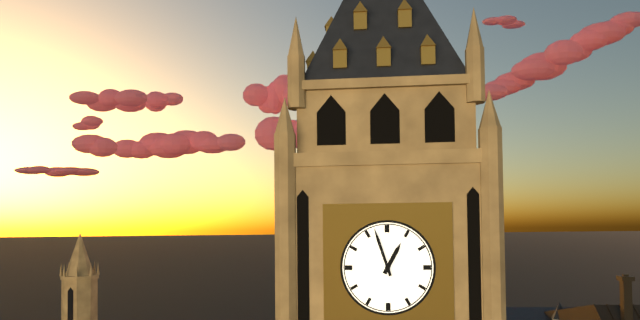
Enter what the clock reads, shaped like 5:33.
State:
12:57
